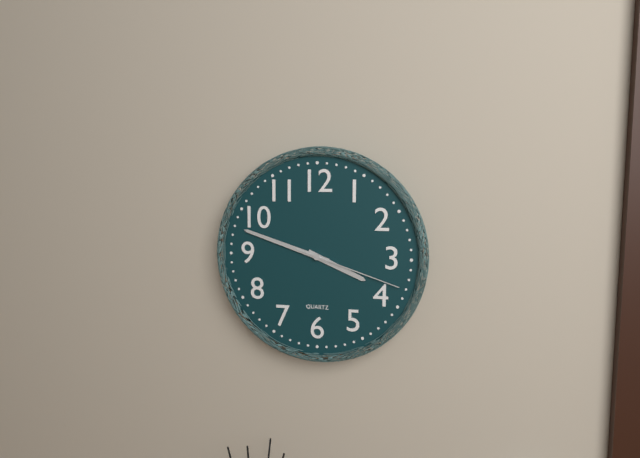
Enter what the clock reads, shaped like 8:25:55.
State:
3:48:18
